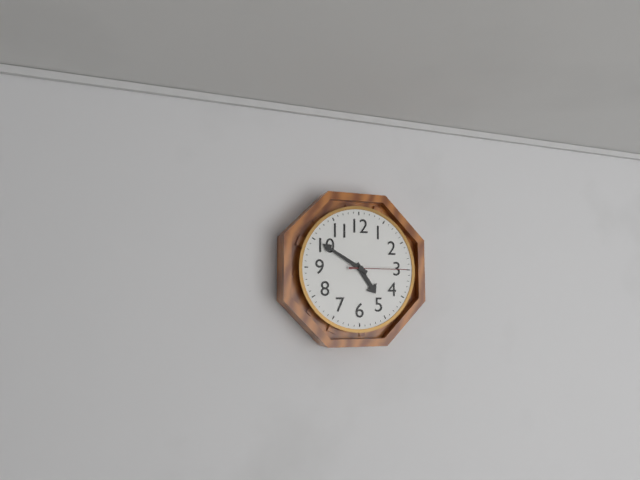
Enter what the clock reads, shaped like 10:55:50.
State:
4:50:15
